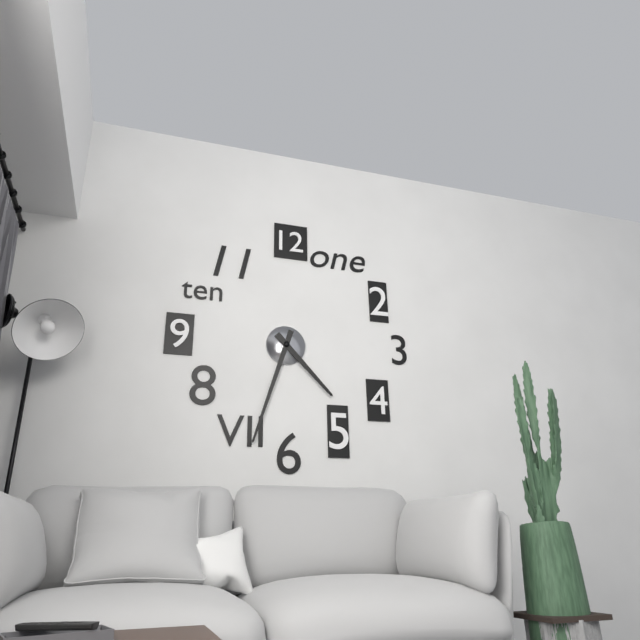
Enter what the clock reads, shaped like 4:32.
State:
4:33
